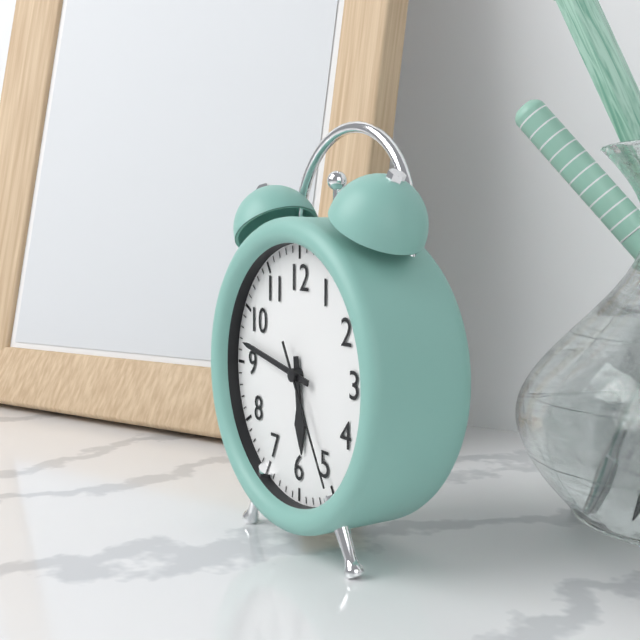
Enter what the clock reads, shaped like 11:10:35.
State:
5:47:25
